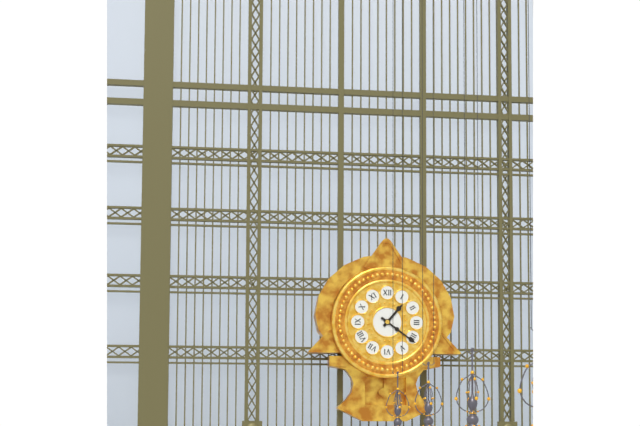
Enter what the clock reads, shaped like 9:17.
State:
1:21
